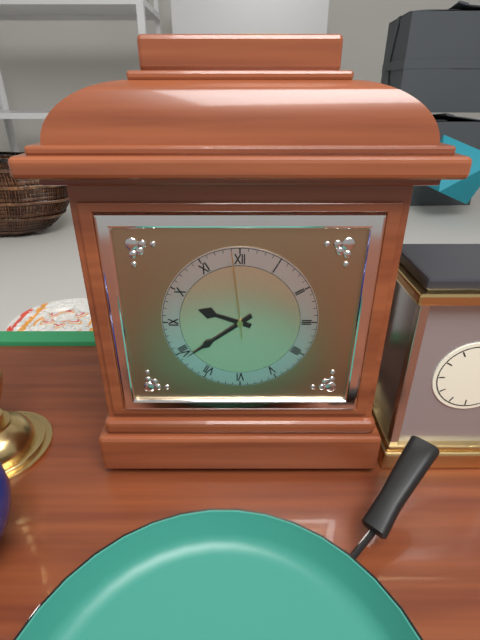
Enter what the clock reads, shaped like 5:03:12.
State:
9:39:59
